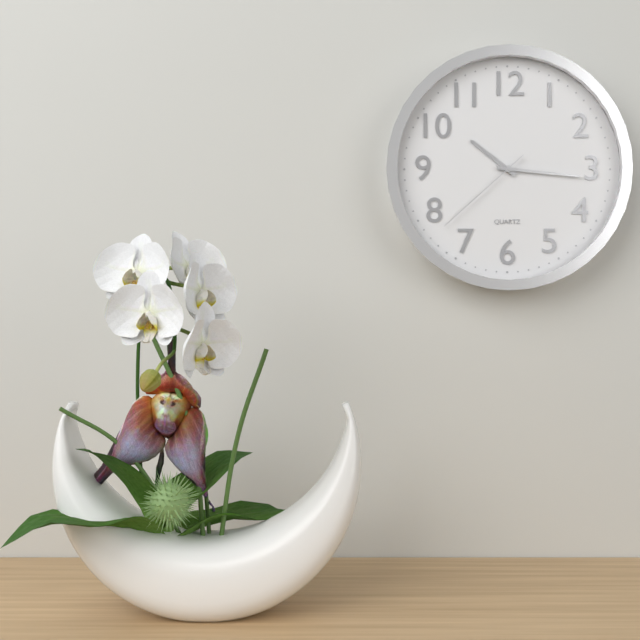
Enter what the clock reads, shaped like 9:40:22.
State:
10:16:38
